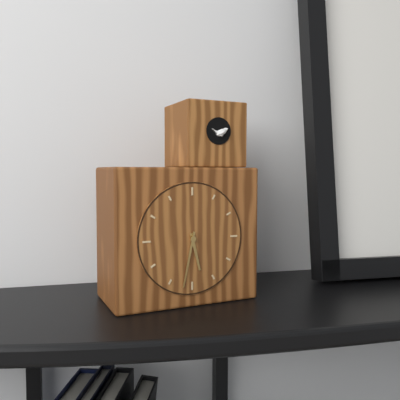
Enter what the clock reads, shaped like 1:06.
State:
5:32
